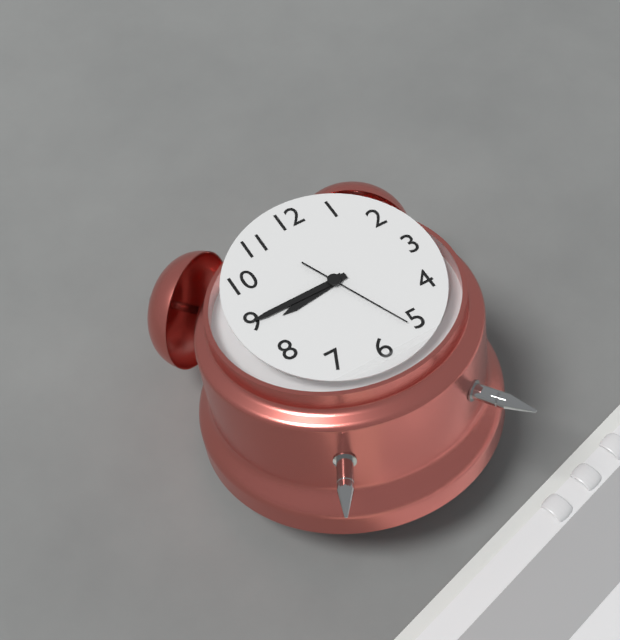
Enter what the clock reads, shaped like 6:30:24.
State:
8:45:26
